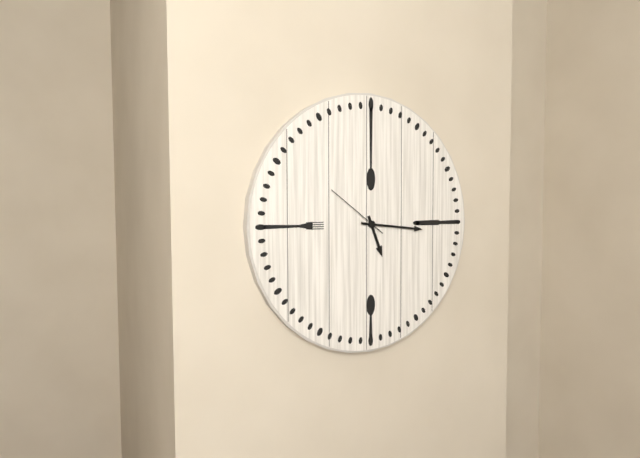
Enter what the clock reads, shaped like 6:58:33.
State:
5:16:51
